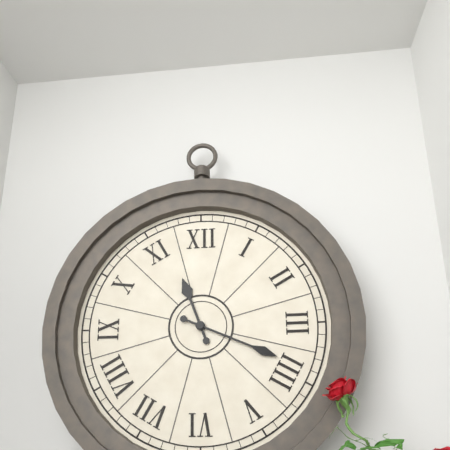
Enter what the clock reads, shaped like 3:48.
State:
11:19
